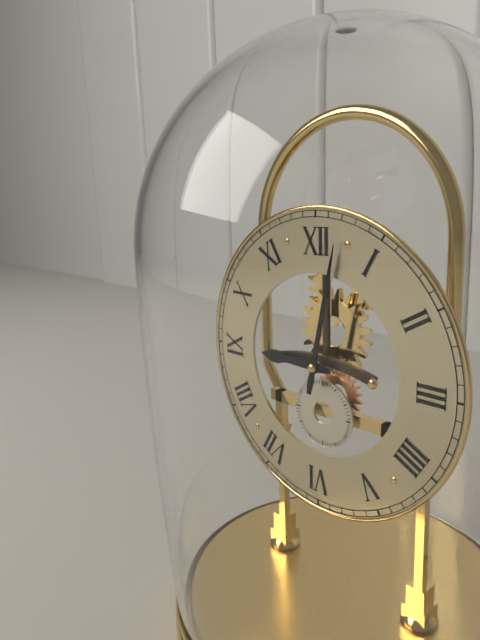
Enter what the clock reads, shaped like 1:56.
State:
9:02
